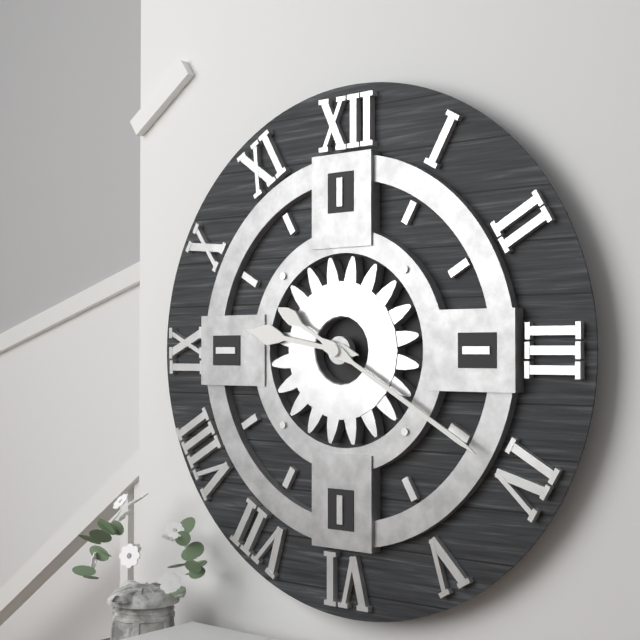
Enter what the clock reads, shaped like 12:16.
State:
9:20
